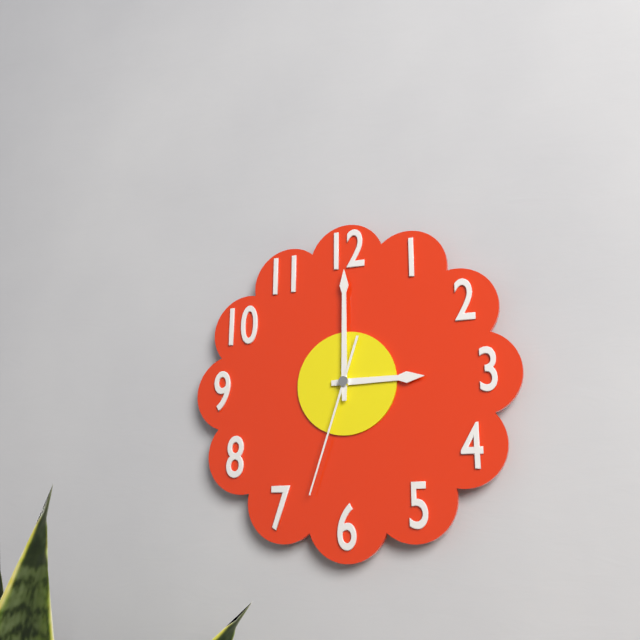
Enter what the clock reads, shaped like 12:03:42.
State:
3:00:33
